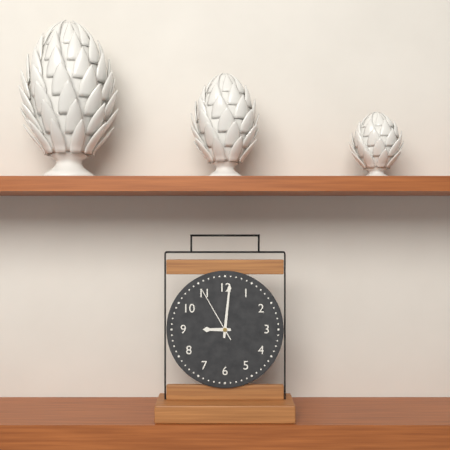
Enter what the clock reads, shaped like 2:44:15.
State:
9:01:55
